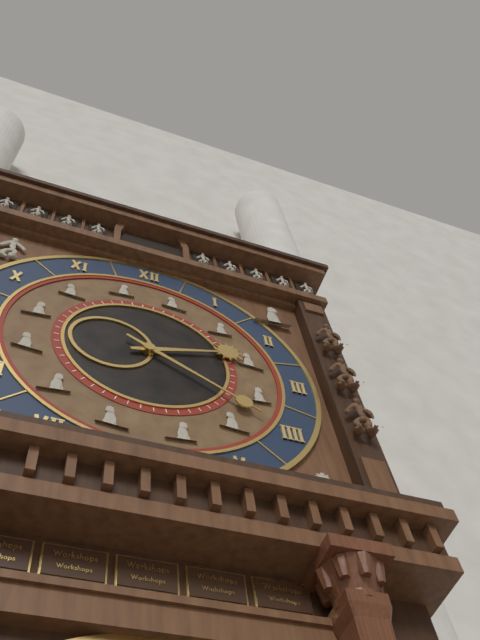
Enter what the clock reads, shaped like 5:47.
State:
2:20
